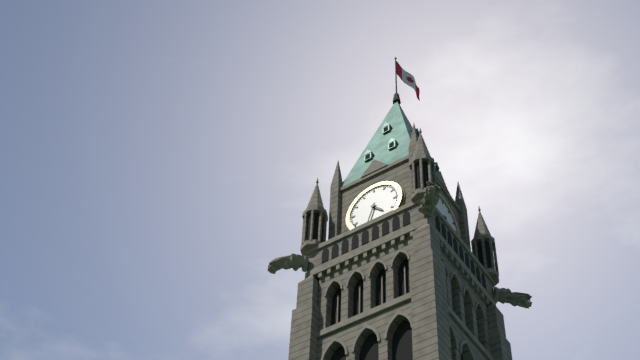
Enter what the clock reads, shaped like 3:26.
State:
4:33
